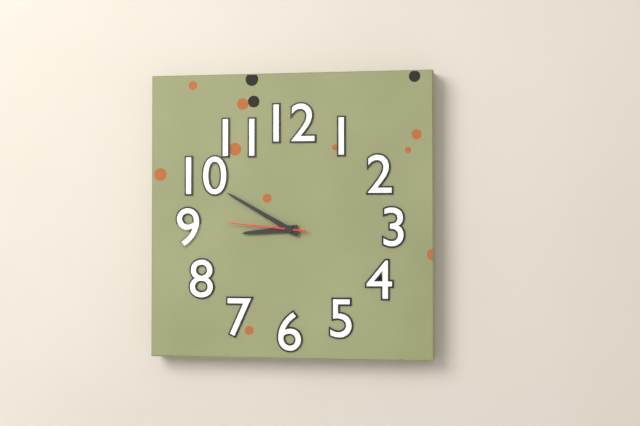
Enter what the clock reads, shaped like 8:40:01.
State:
8:50:46
